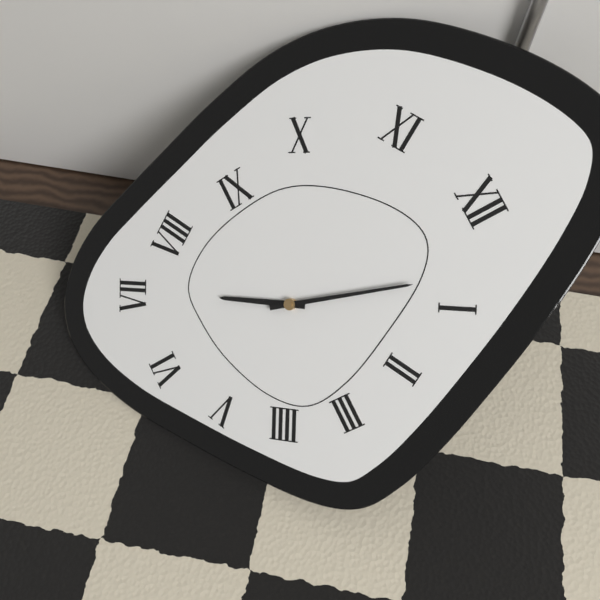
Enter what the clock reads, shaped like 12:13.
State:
7:03
